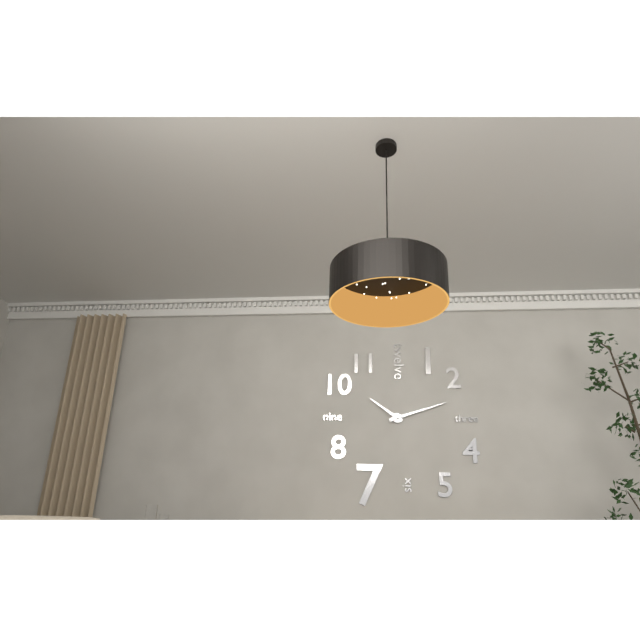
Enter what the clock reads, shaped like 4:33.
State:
10:12
